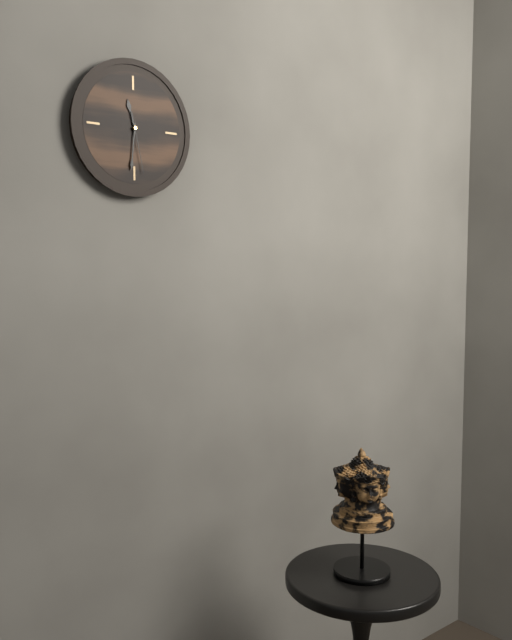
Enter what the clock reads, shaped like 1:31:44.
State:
11:31:28
